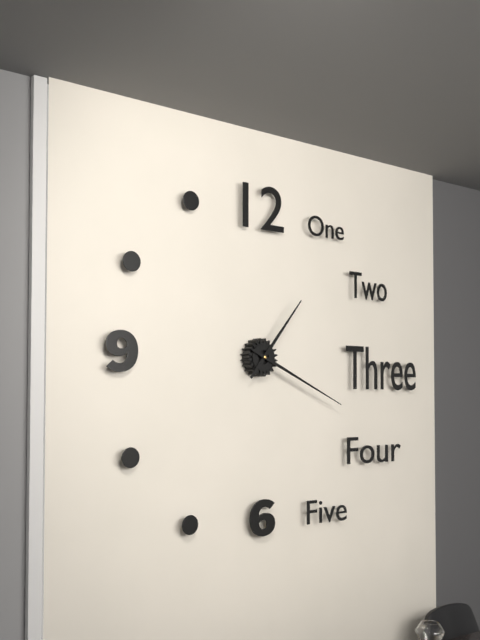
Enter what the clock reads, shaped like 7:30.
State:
1:19
